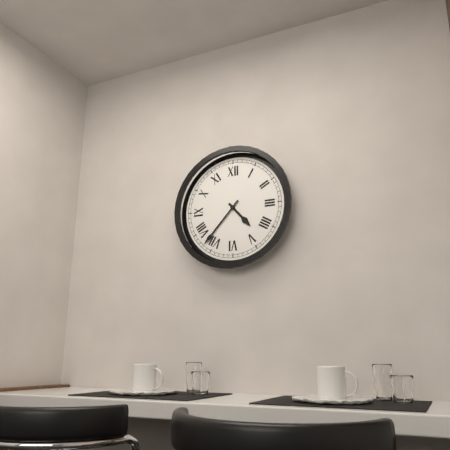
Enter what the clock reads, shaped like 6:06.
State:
4:37
